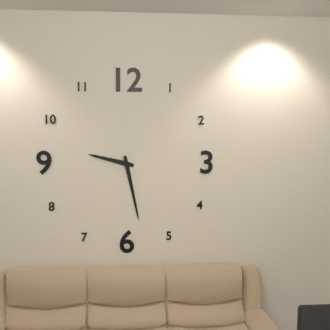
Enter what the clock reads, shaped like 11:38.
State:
9:28
